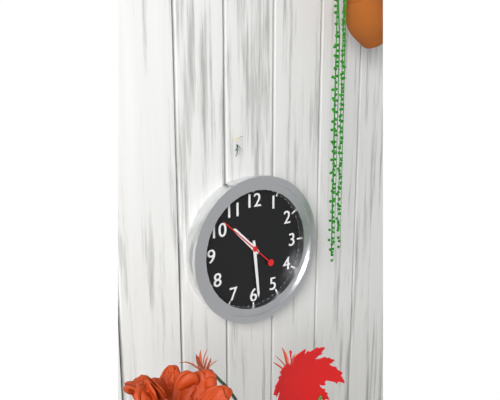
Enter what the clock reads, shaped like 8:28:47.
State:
10:29:52
